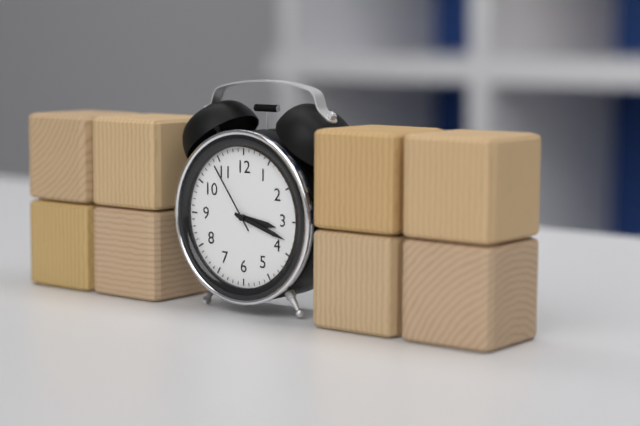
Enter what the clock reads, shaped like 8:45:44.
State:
3:18:54
